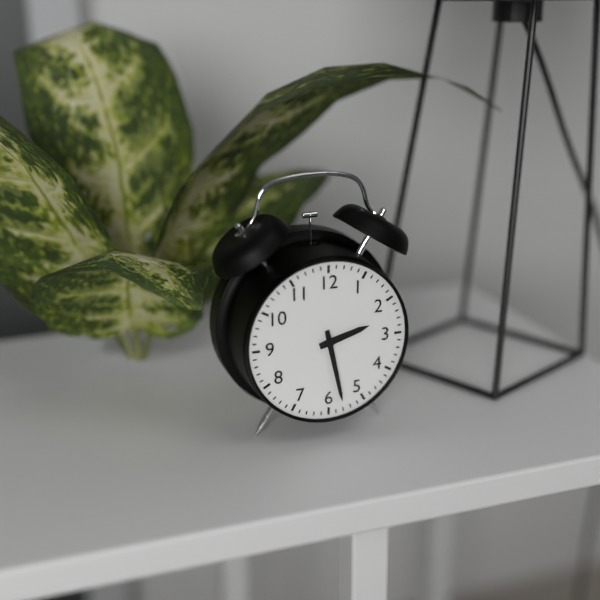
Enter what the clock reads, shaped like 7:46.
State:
2:28
